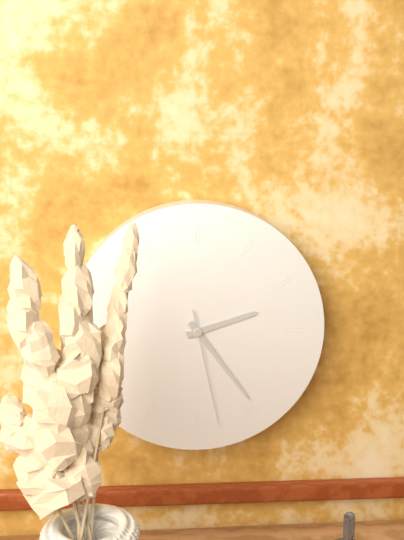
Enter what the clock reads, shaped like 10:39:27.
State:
2:24:28
